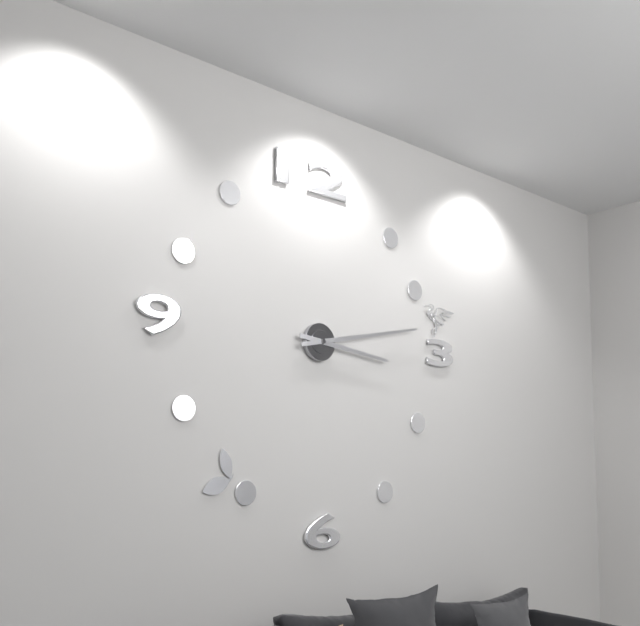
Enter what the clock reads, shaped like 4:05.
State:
3:13
